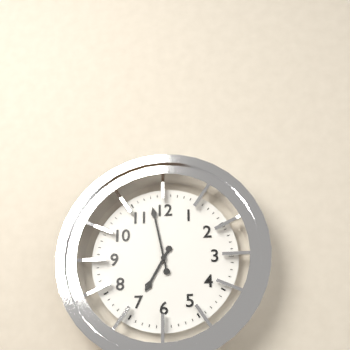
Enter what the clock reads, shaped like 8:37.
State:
6:58
